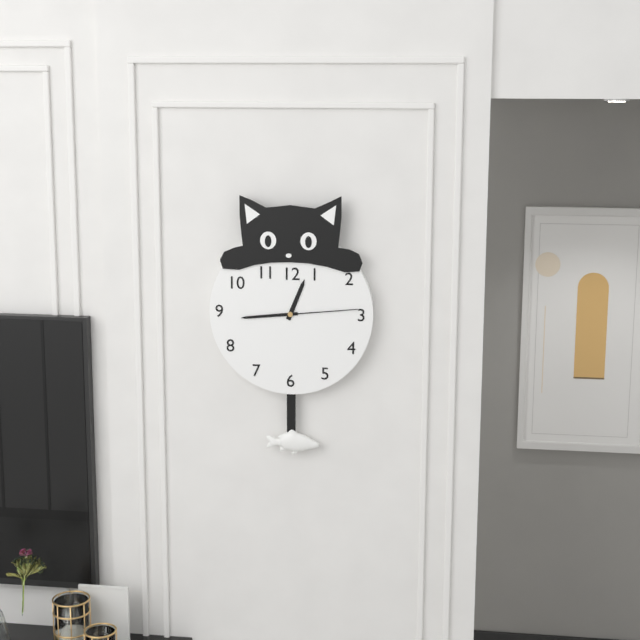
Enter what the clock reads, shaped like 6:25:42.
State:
12:44:14
